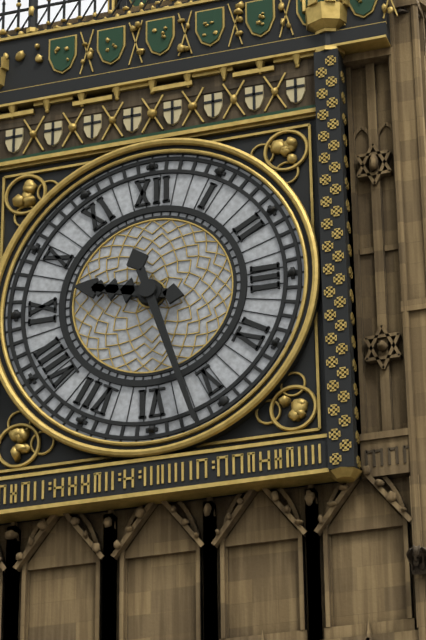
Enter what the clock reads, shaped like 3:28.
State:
9:27
